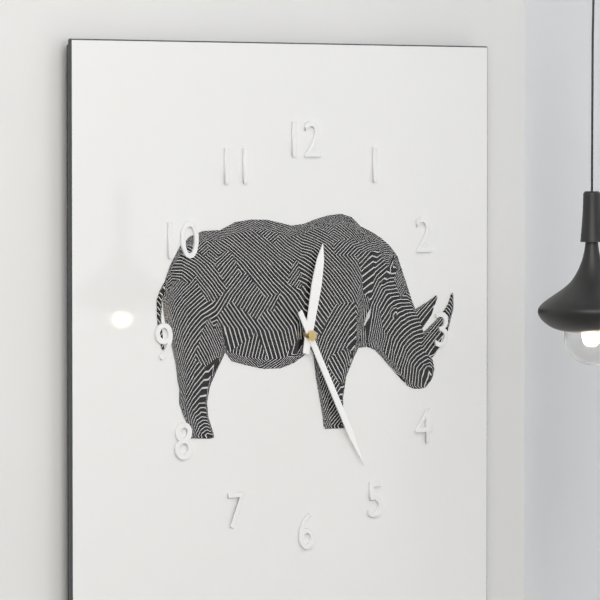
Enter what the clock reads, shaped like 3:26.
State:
12:25
